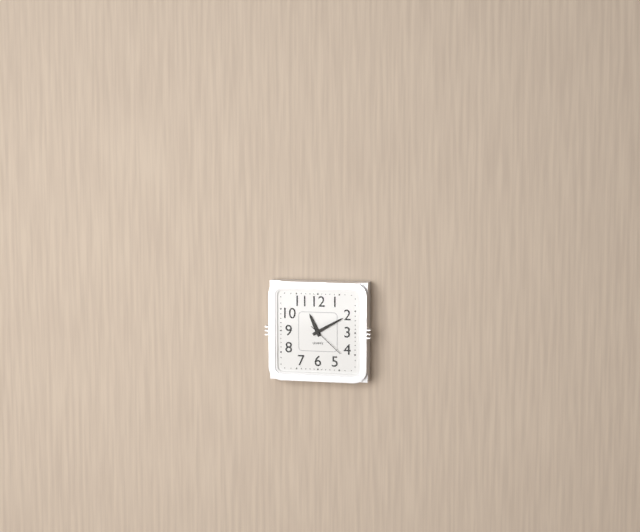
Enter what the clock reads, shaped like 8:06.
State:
11:10
